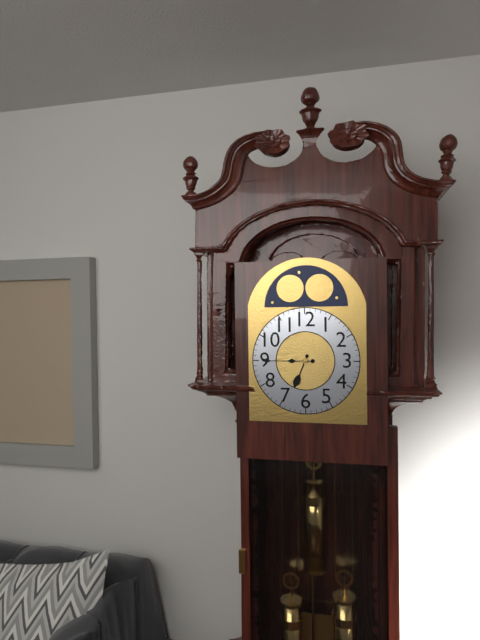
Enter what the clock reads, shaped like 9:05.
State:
6:45
